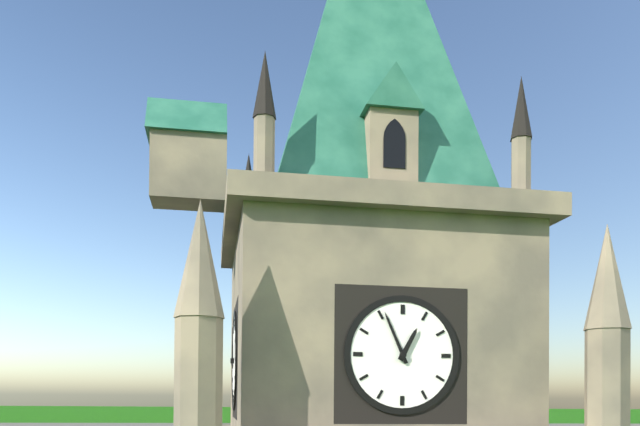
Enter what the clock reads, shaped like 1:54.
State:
12:56
